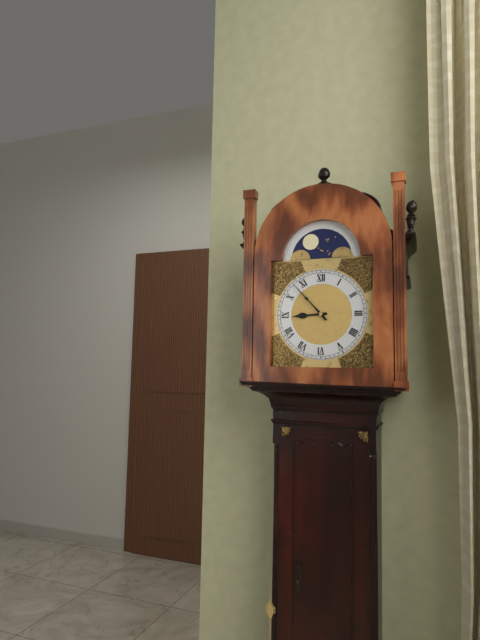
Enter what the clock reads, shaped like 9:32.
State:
8:53
